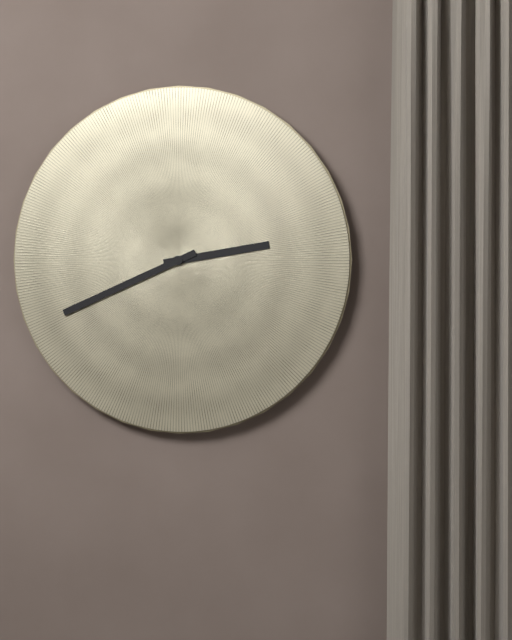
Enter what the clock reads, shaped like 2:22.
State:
2:41
